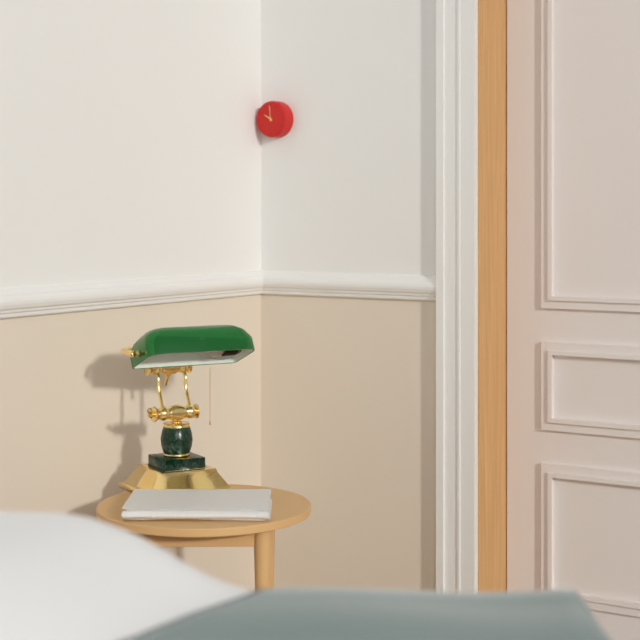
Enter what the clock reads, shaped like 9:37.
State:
9:59
